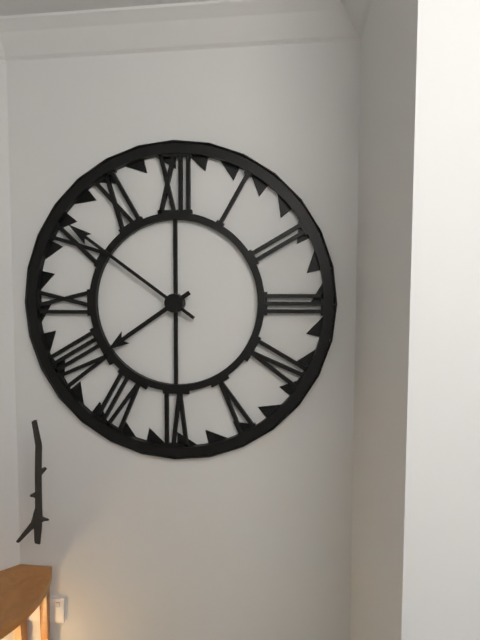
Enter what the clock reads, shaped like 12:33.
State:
7:51
